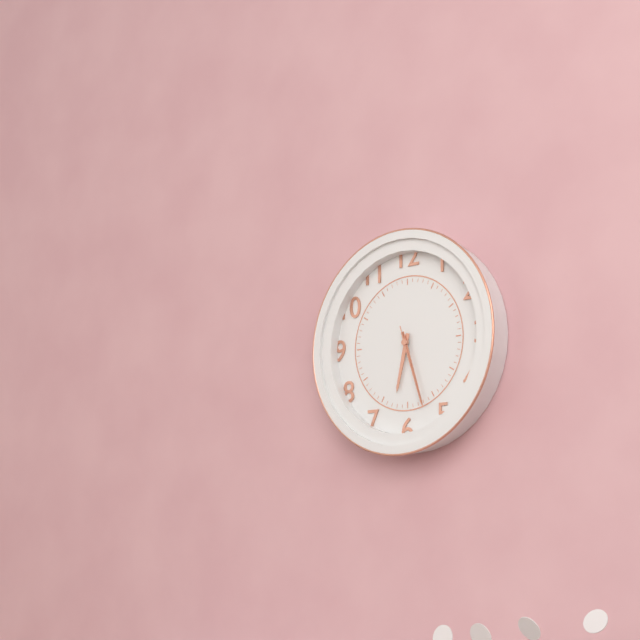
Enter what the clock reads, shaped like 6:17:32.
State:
6:27:27
